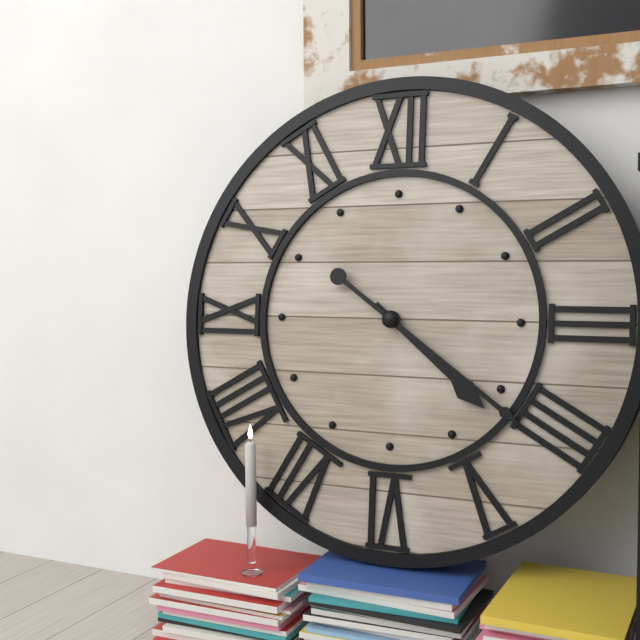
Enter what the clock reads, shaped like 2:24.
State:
4:21
